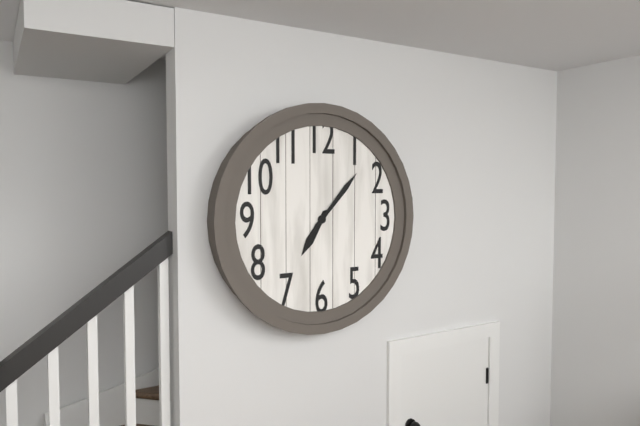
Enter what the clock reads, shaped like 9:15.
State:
7:07
